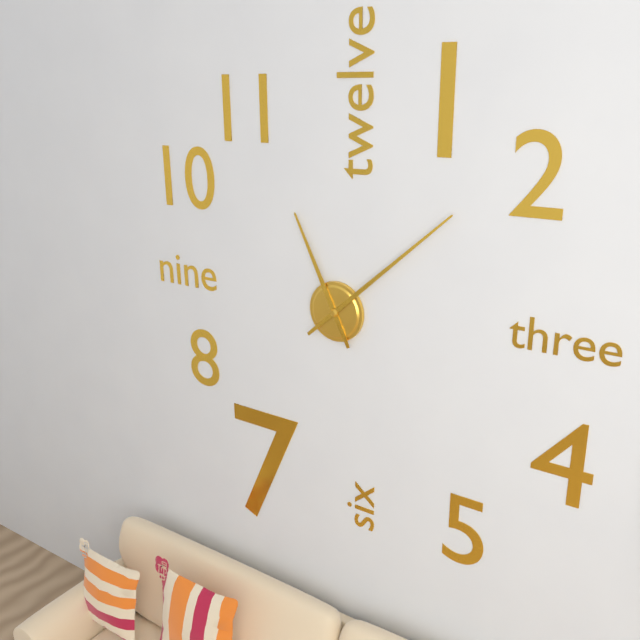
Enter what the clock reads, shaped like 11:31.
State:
11:08
